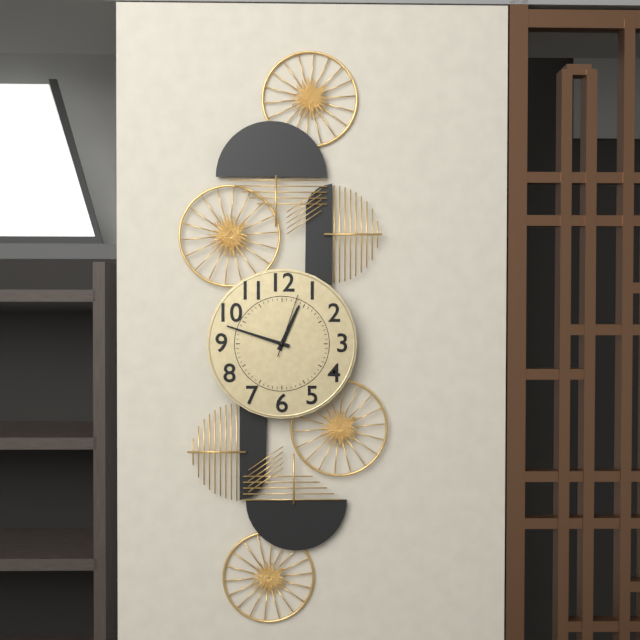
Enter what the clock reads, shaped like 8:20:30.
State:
12:48:03
